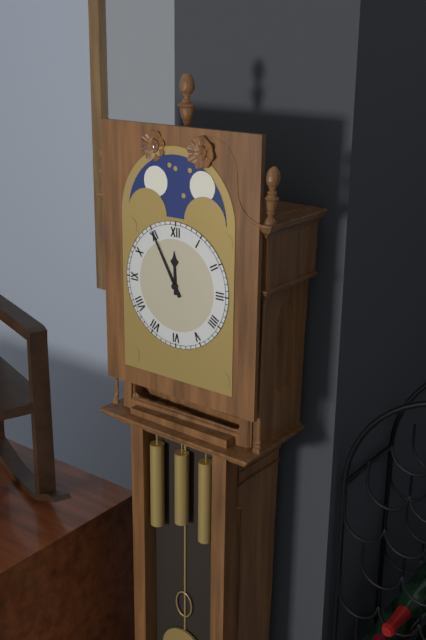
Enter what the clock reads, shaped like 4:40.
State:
11:55
